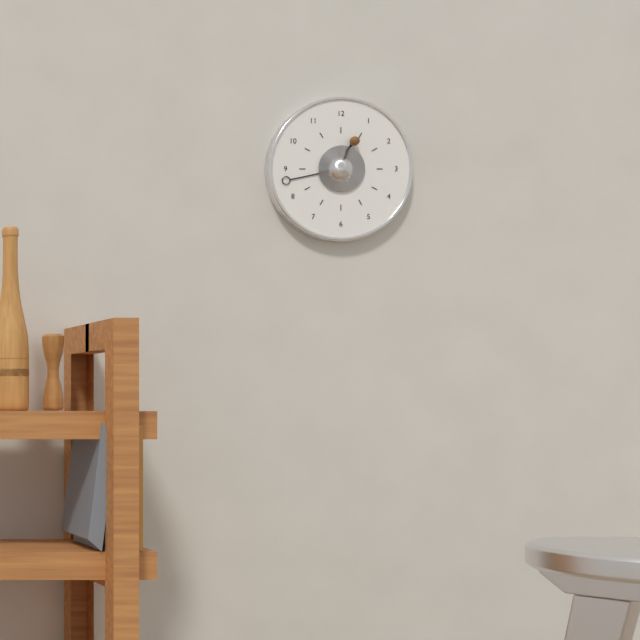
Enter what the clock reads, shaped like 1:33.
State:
12:43
